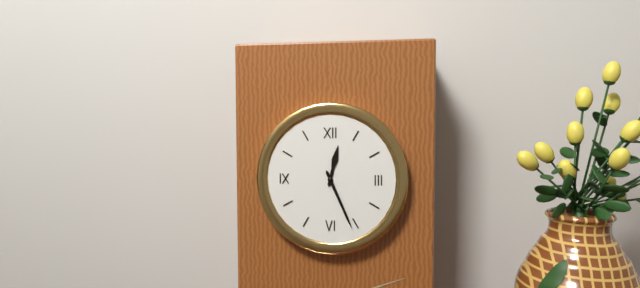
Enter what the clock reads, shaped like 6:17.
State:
12:26
